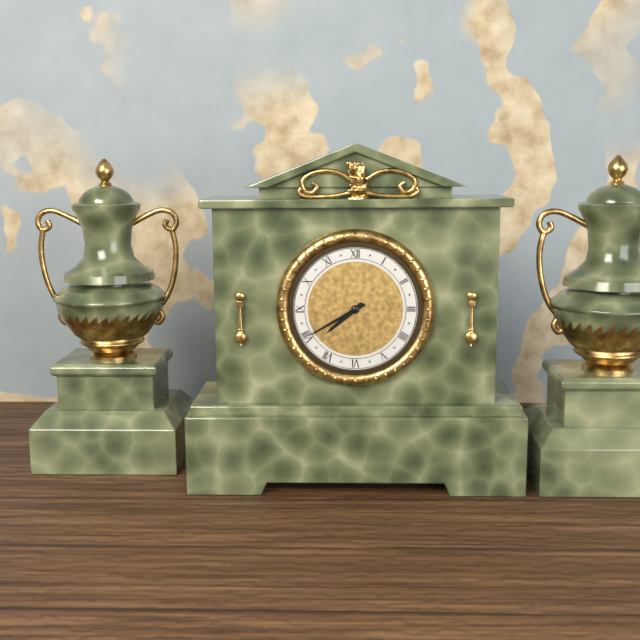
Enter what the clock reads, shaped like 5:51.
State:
7:40
